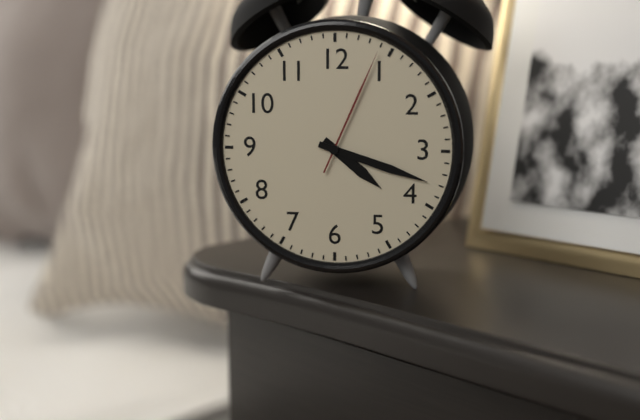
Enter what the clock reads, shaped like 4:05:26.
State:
4:18:04
